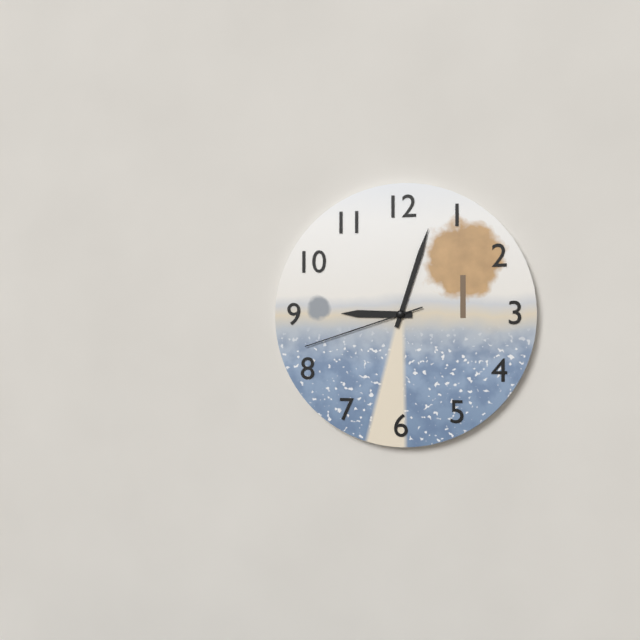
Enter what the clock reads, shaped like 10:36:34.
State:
9:03:42
